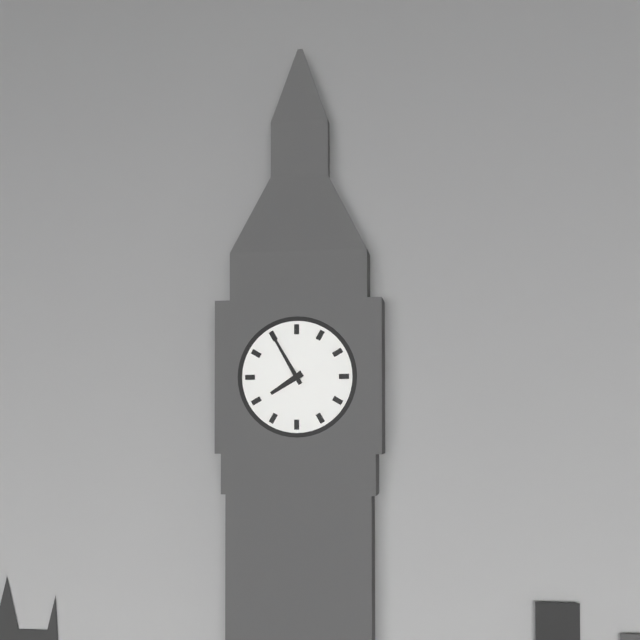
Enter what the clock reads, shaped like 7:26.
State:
7:55
